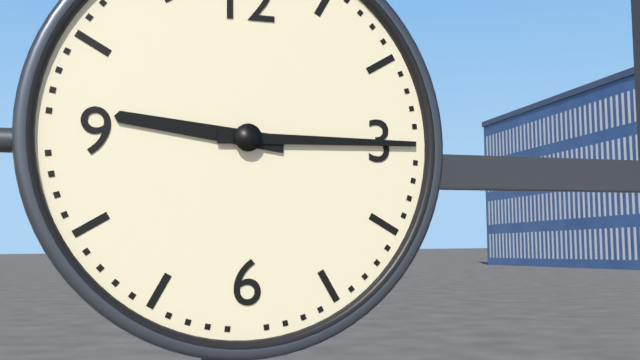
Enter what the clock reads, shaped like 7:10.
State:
9:15
